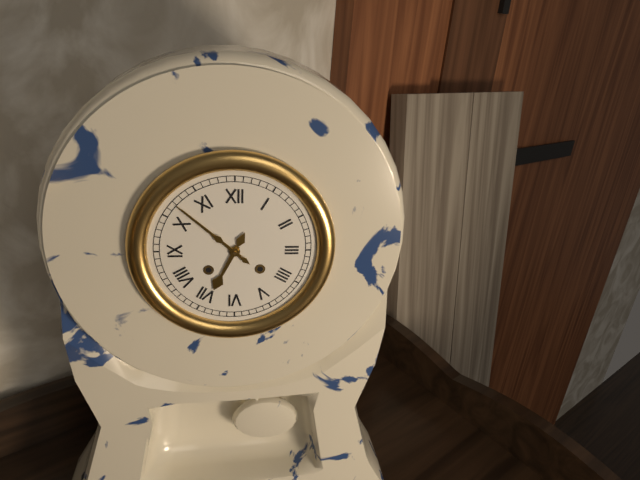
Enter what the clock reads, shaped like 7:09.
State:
6:52
